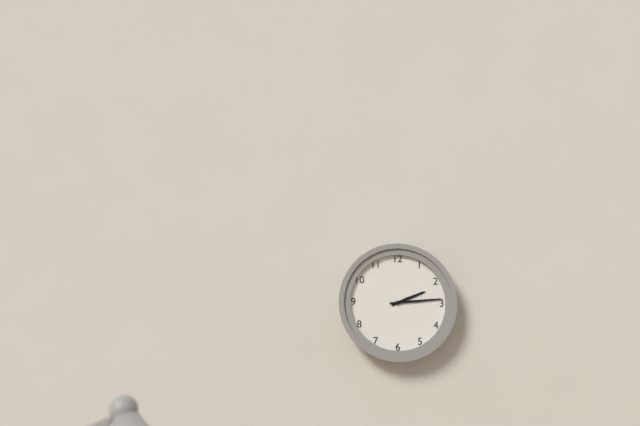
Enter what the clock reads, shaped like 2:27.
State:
2:14
